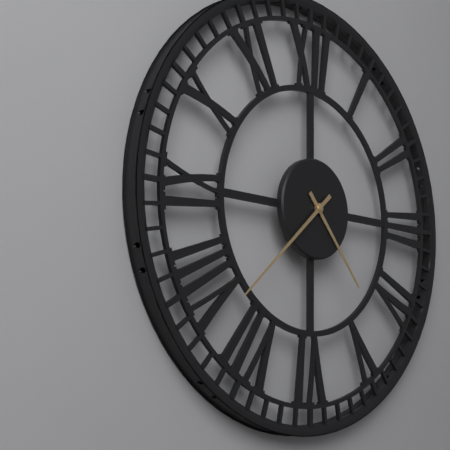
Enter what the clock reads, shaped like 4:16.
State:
4:38
